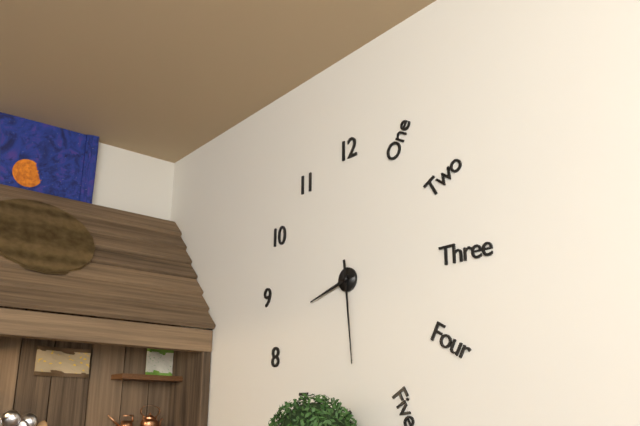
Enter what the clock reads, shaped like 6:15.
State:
8:29
